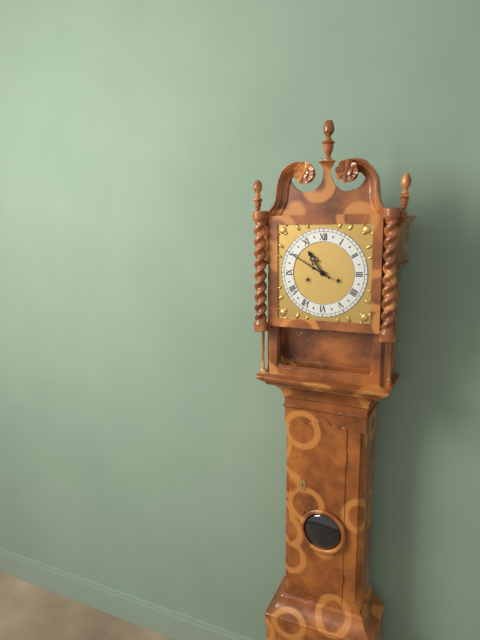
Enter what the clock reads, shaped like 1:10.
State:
10:50
